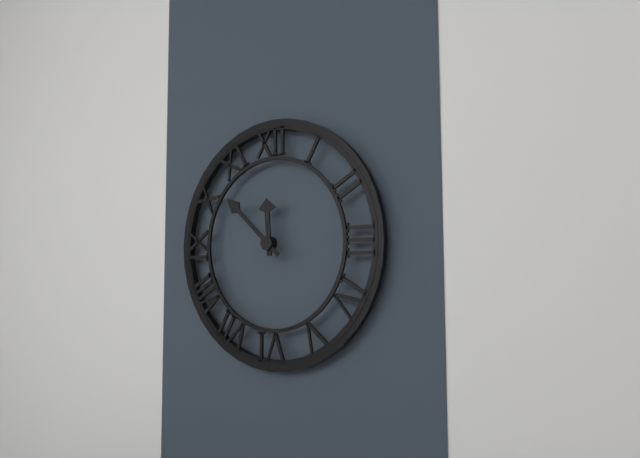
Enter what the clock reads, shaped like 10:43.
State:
11:52
